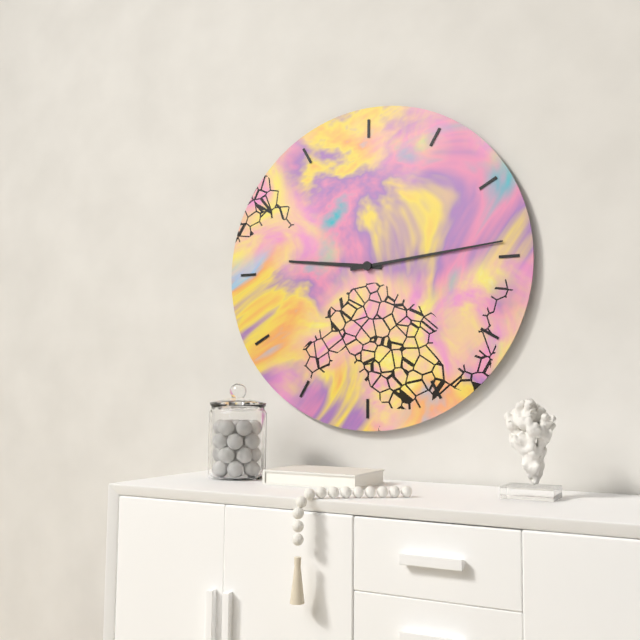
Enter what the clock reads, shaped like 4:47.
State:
9:14
